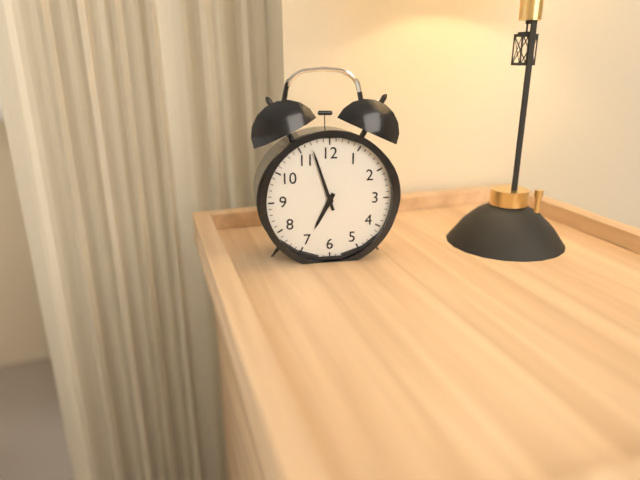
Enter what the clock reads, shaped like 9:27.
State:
6:57
